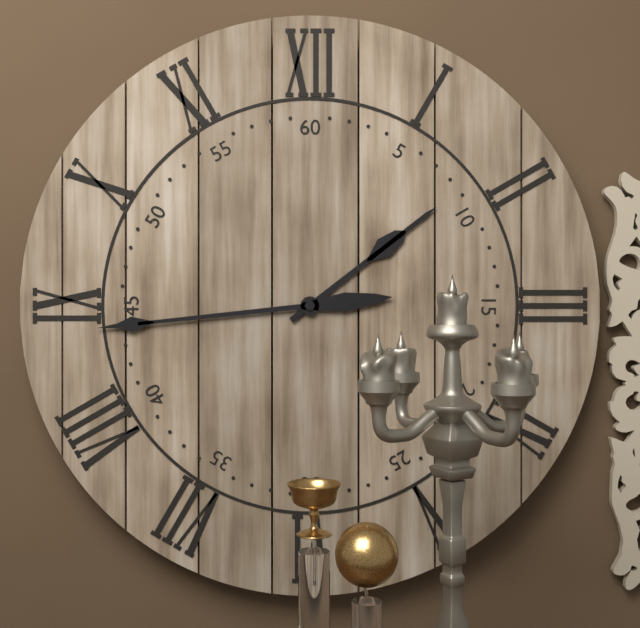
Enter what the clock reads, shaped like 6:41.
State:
1:44
